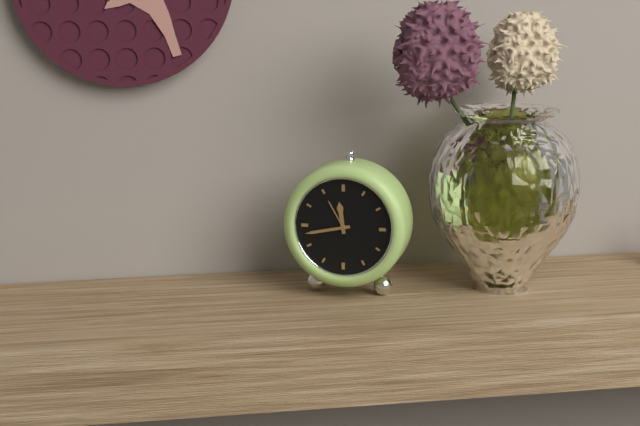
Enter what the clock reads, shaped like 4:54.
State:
11:43
